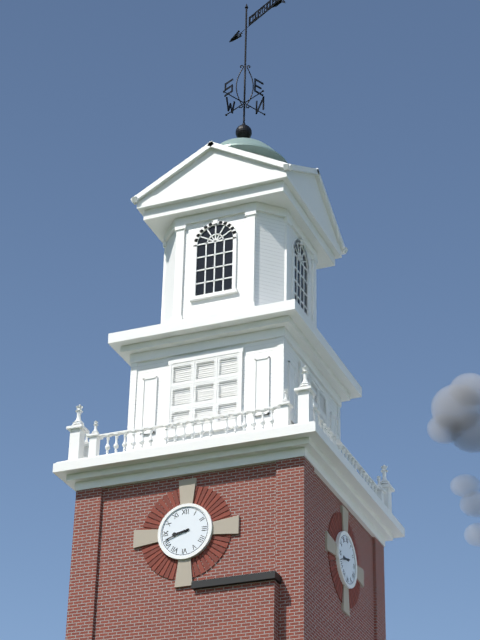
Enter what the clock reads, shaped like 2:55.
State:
8:42
